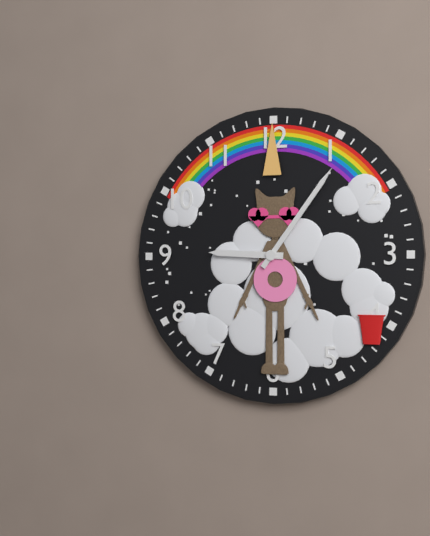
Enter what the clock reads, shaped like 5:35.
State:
9:06
